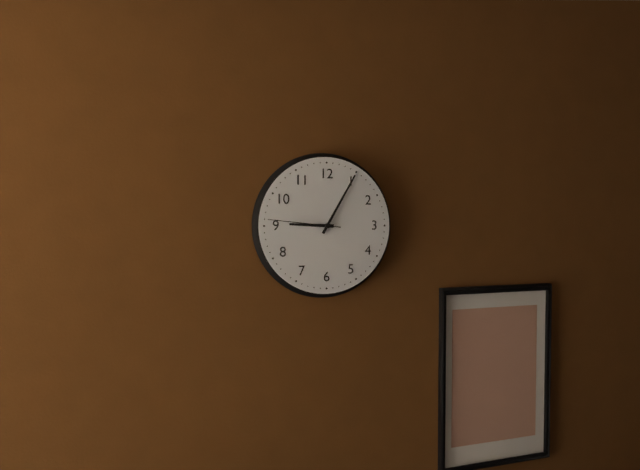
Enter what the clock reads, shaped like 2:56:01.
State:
9:05:46
